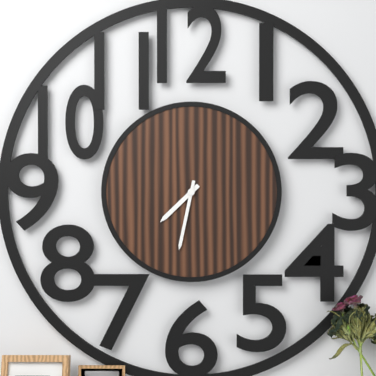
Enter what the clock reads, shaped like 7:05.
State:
7:32
